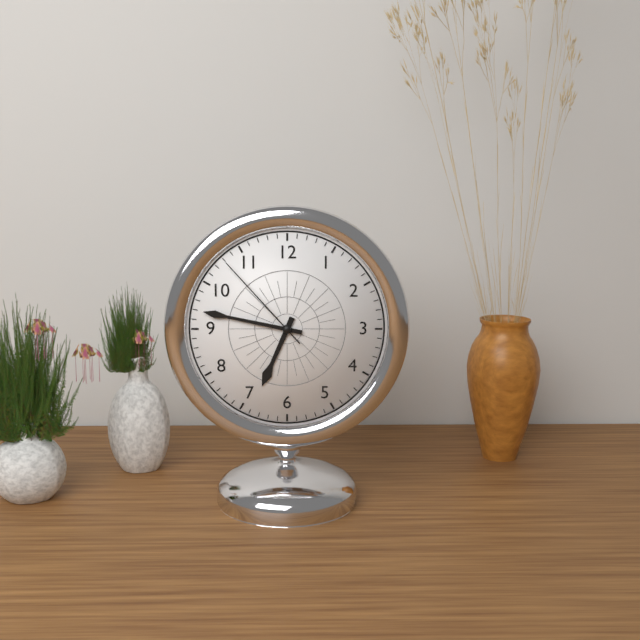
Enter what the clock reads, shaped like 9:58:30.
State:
6:47:53
